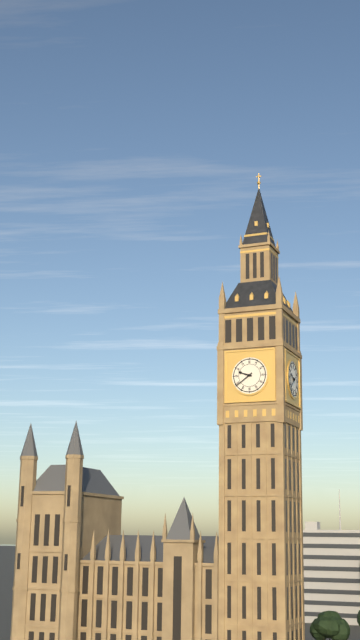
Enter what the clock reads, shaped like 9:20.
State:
9:39
